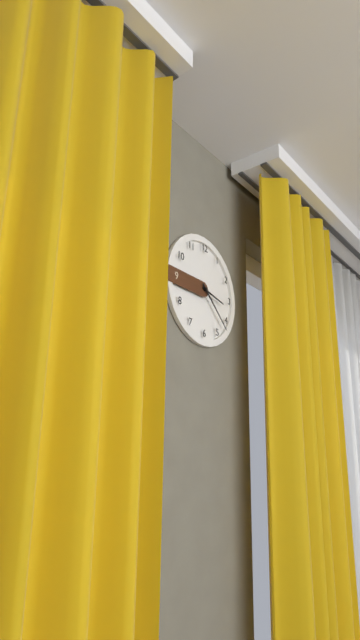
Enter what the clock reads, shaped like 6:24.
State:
3:22
